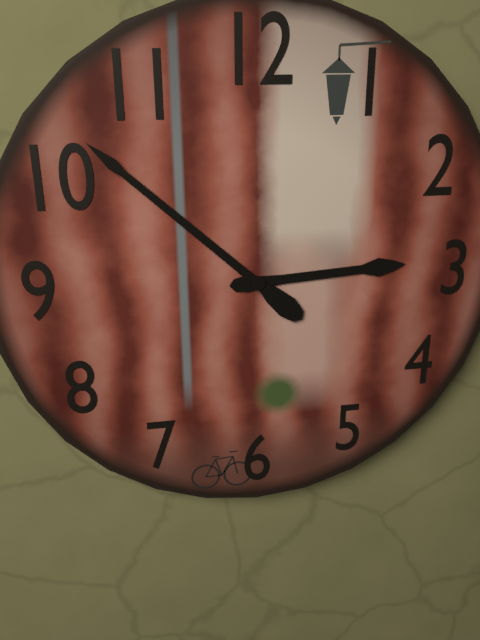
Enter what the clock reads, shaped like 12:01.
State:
2:52
